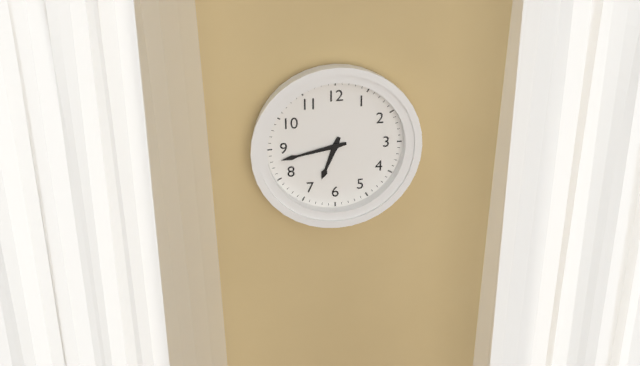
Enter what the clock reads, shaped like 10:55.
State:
6:43
